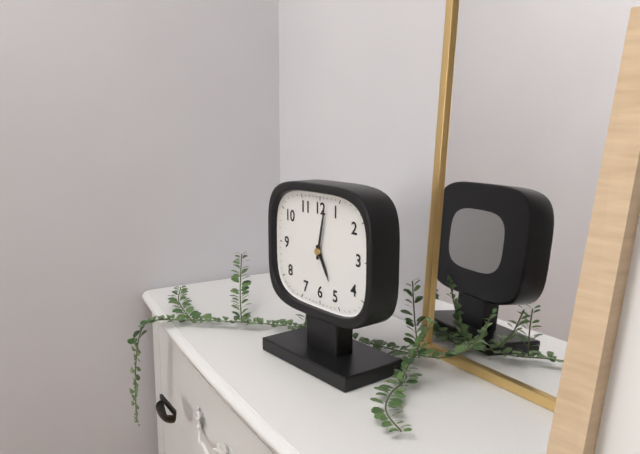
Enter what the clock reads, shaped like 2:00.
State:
5:02
